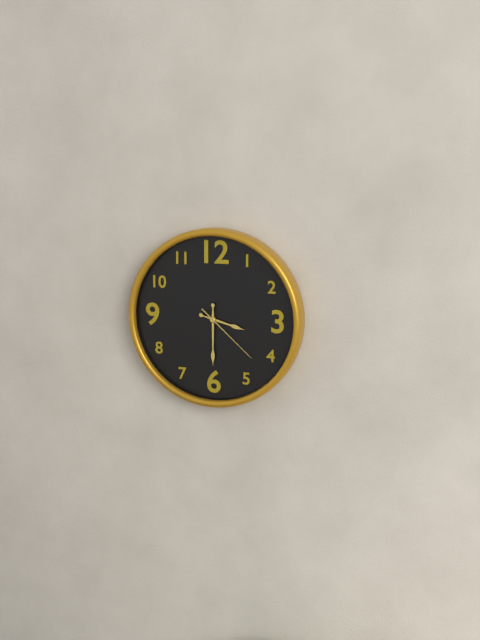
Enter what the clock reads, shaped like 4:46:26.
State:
3:30:22
